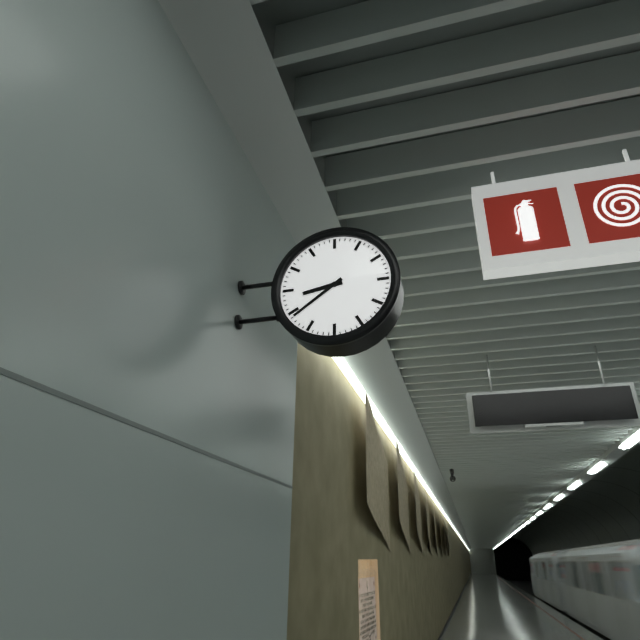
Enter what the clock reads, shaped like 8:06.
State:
8:39
